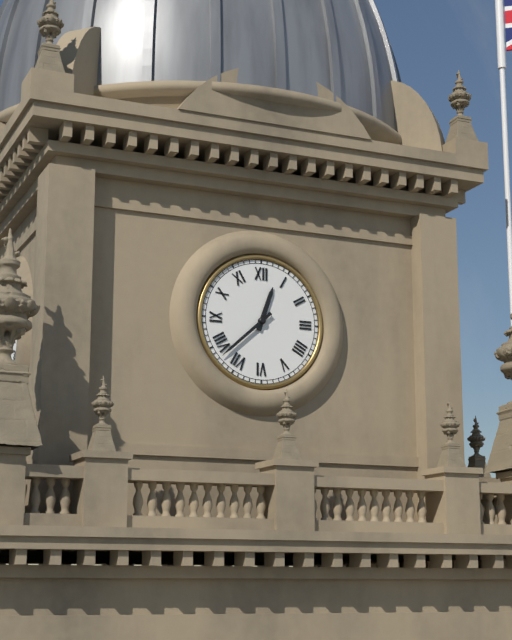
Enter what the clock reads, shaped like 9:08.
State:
12:38
